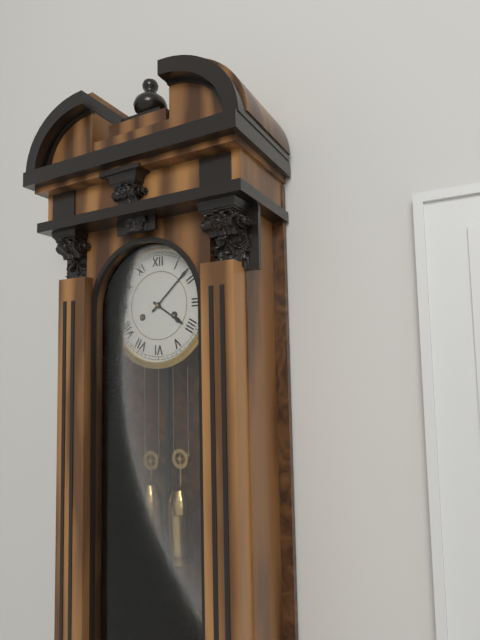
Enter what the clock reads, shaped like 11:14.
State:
4:08
